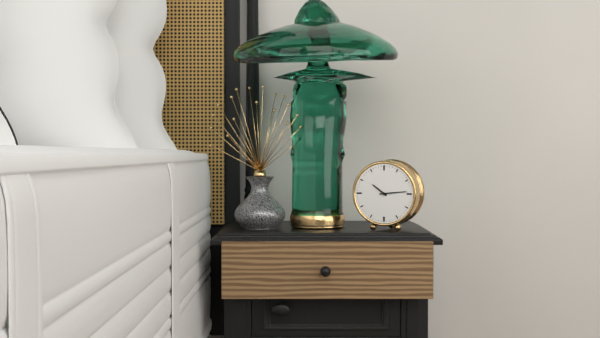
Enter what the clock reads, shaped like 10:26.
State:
10:14
